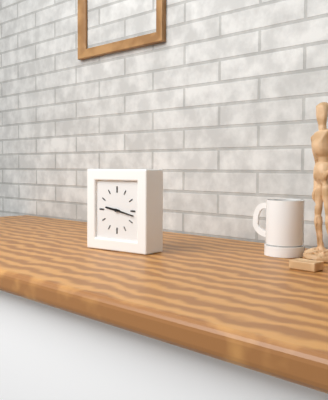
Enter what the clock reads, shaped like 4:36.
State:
9:17
